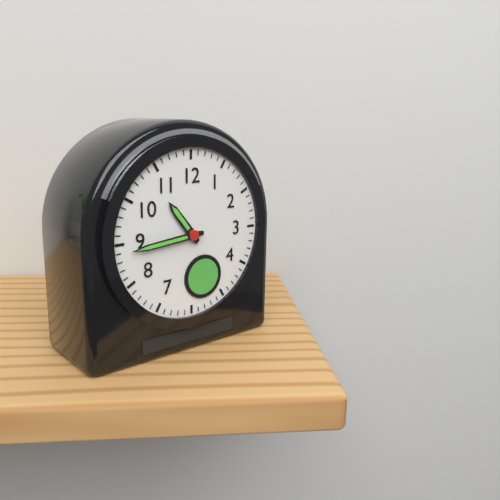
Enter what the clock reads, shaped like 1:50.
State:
10:44
